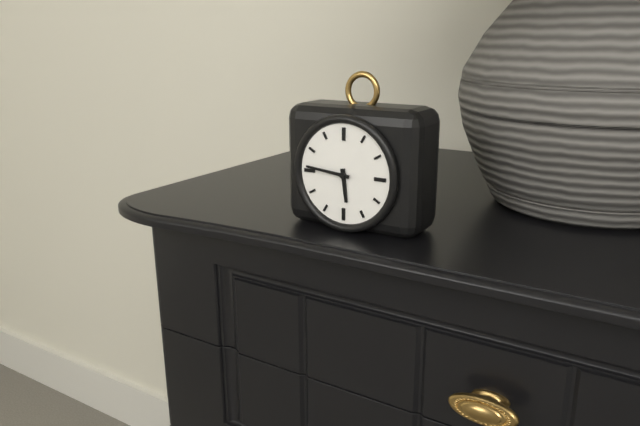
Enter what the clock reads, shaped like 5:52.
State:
5:46
